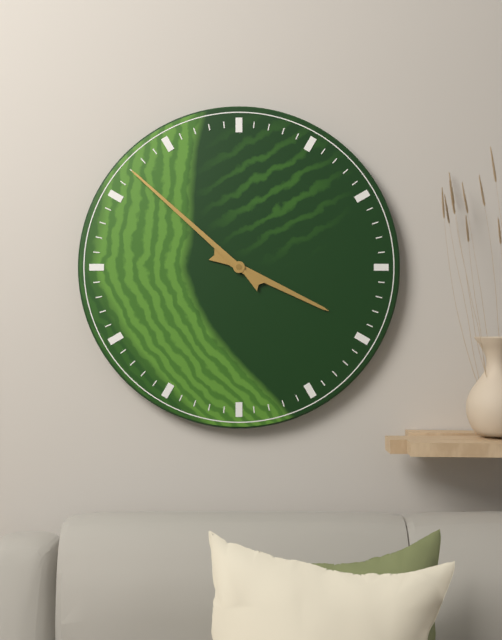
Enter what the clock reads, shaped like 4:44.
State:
3:52
